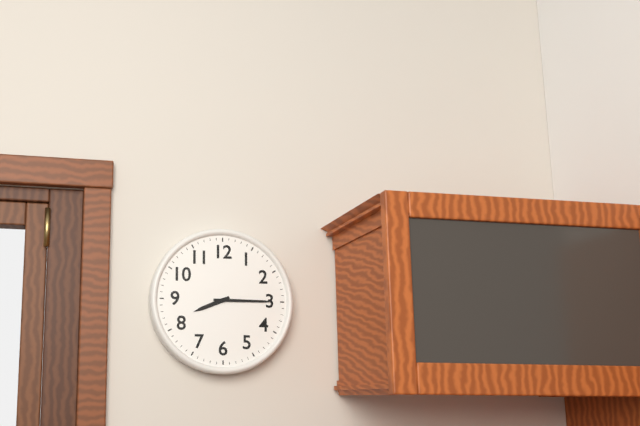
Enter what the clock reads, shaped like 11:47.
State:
8:15
